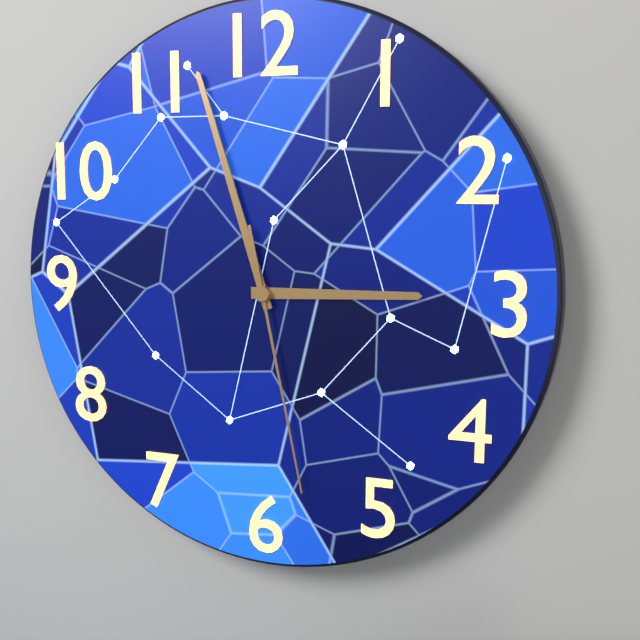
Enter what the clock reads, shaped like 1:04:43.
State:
2:57:28
